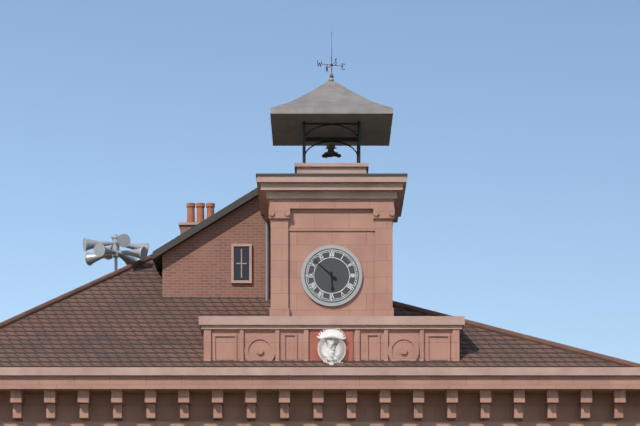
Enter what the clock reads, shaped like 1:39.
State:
5:52
